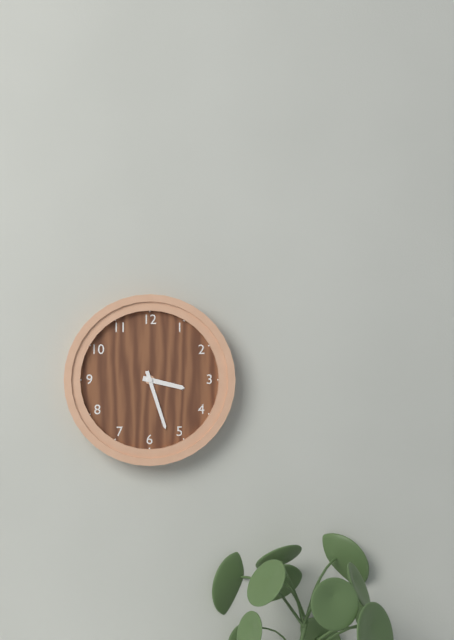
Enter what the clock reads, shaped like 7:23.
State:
3:27
